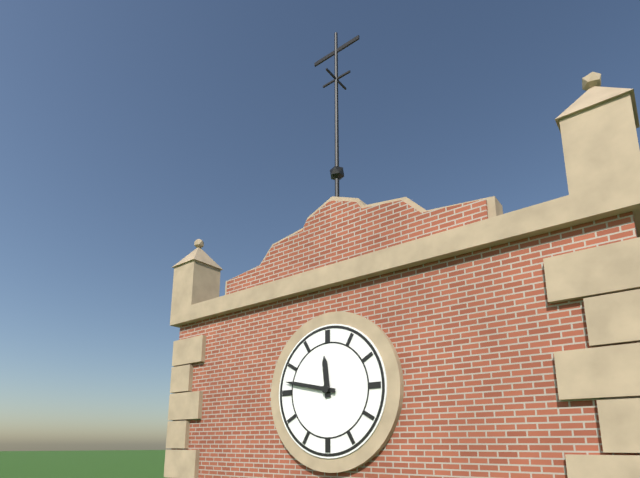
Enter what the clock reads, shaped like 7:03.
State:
11:47
